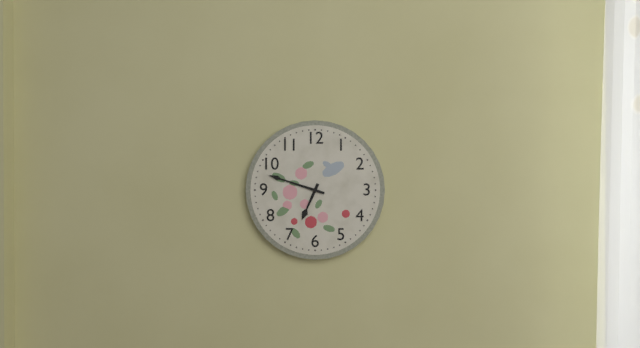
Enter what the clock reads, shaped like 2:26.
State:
6:48
